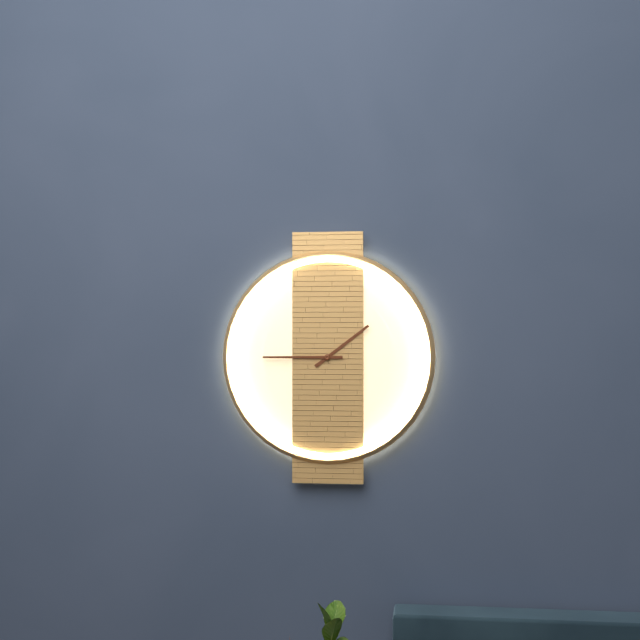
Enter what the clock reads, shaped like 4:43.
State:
1:45
